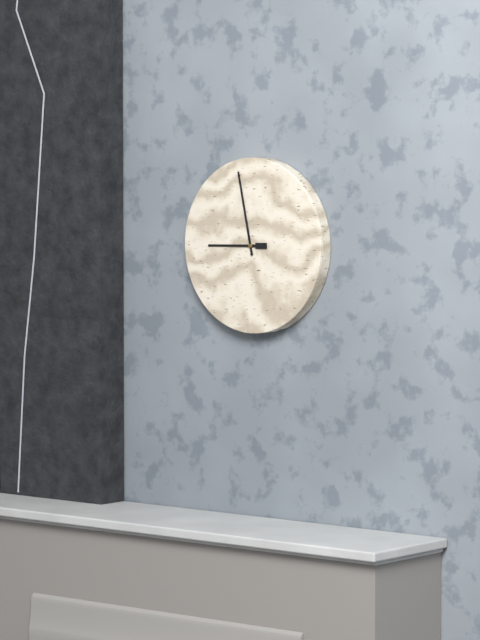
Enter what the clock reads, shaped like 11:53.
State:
8:58
